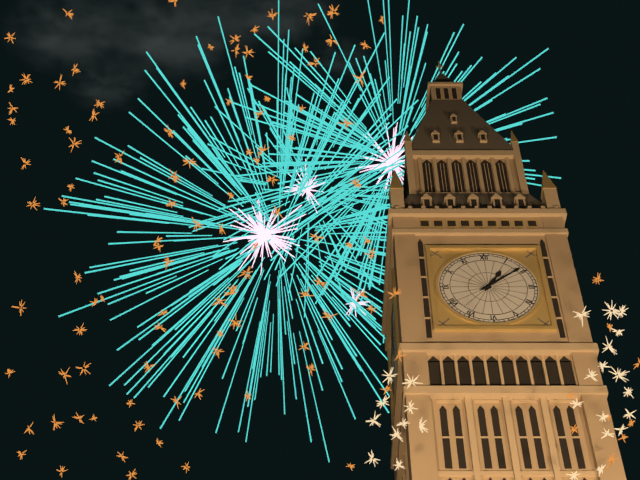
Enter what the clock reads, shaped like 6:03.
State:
1:09
